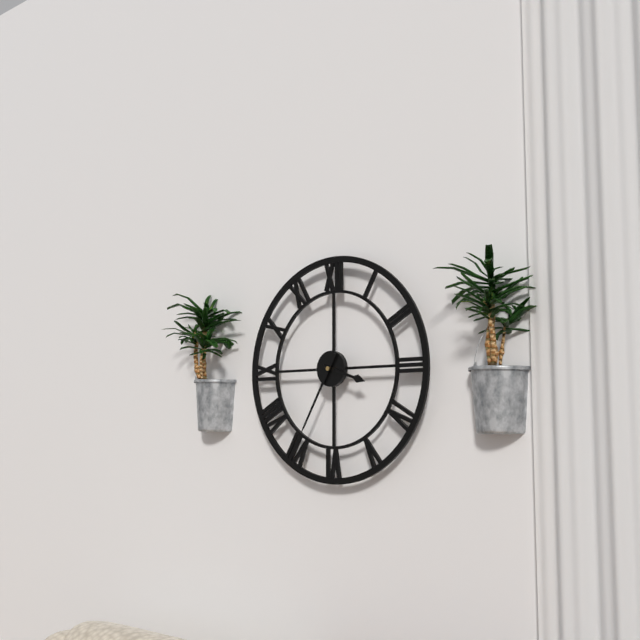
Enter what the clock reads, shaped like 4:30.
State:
3:35
